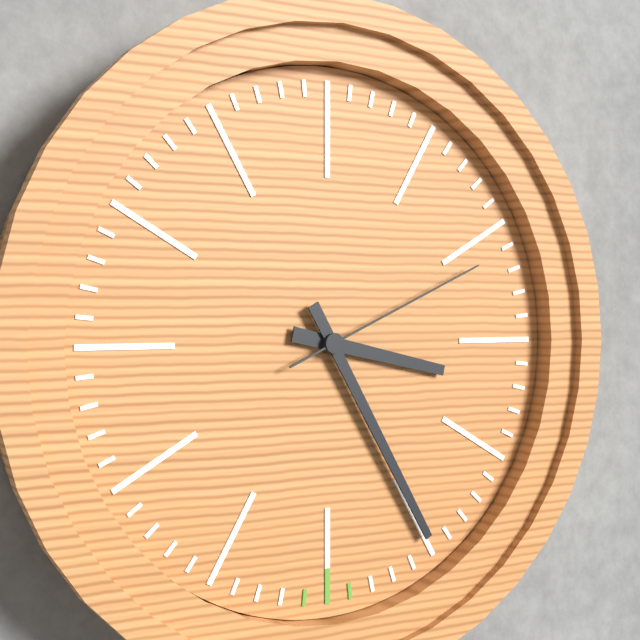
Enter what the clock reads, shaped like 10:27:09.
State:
3:25:11
